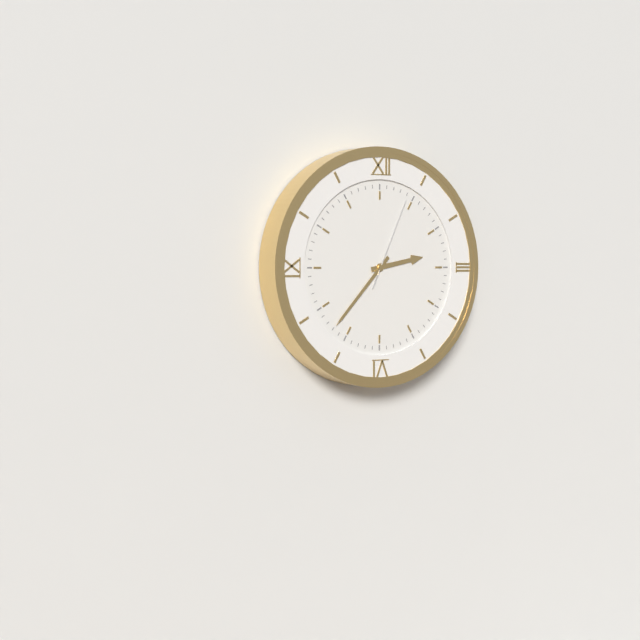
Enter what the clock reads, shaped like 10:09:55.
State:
2:37:04
